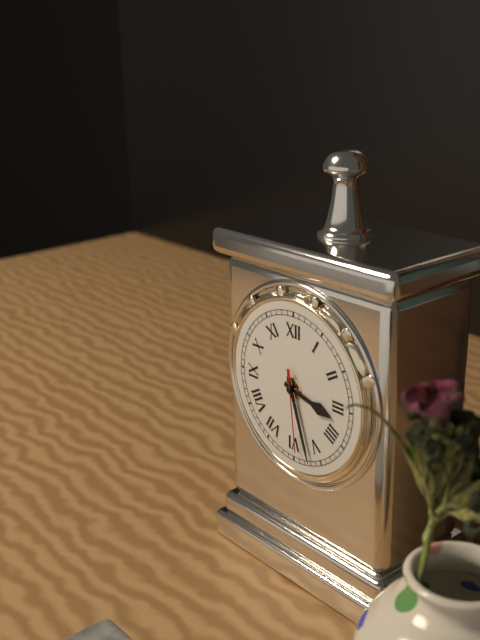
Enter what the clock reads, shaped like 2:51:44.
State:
3:27:29
